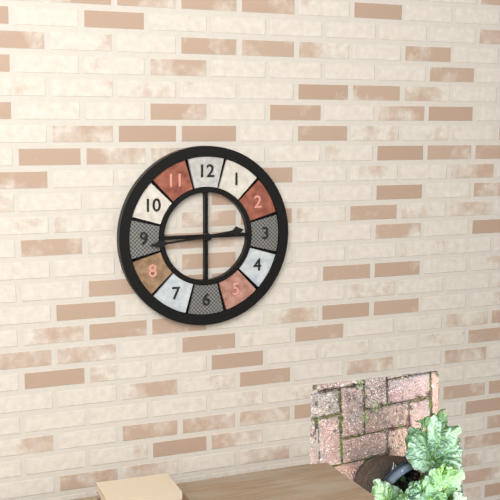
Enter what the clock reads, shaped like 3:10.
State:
2:44
